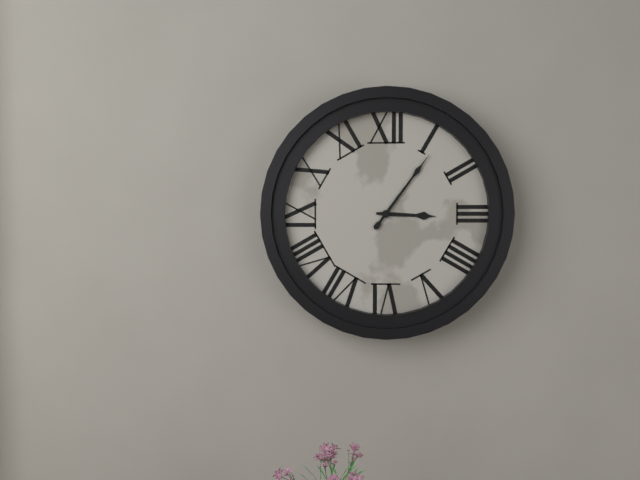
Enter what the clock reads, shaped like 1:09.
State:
3:06
